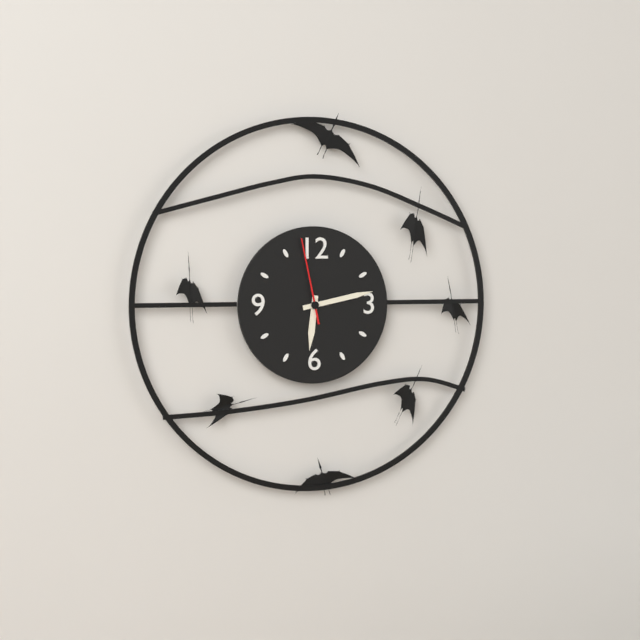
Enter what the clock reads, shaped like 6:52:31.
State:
6:13:58
